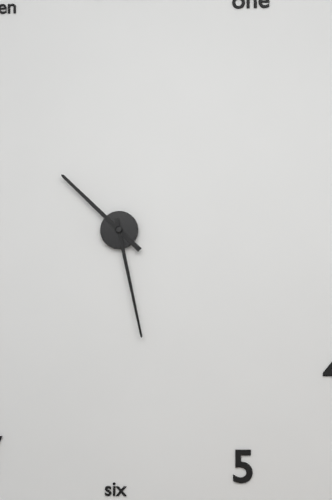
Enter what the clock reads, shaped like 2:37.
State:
10:28
